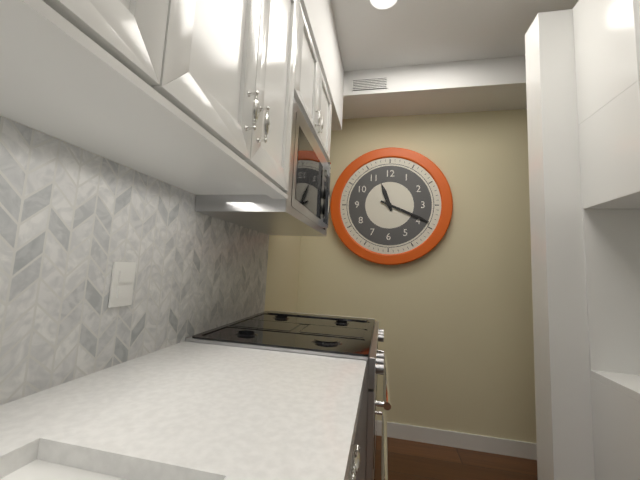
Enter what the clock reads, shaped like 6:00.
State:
11:19
